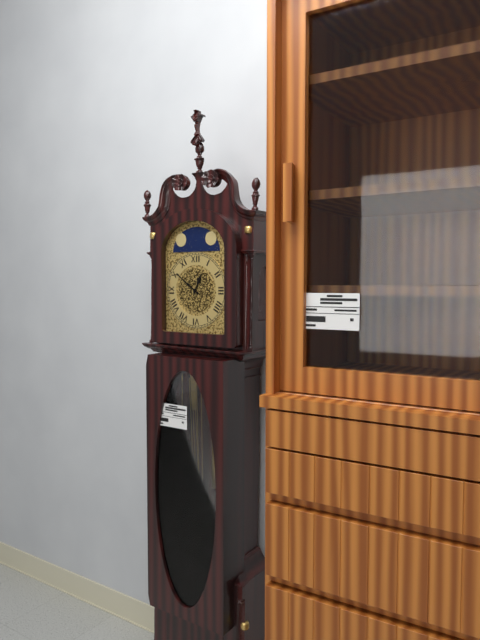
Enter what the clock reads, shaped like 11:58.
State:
12:51
